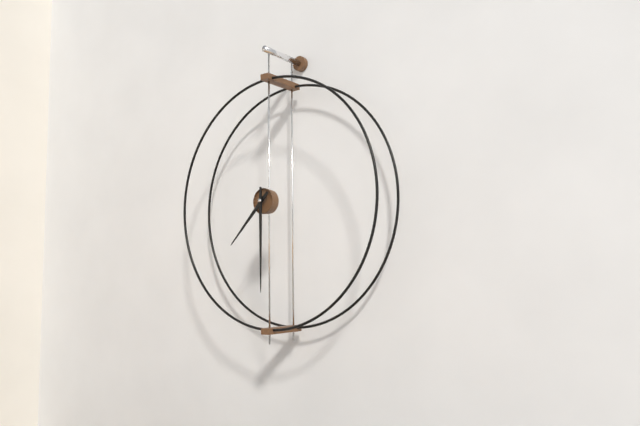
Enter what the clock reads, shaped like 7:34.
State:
7:30
